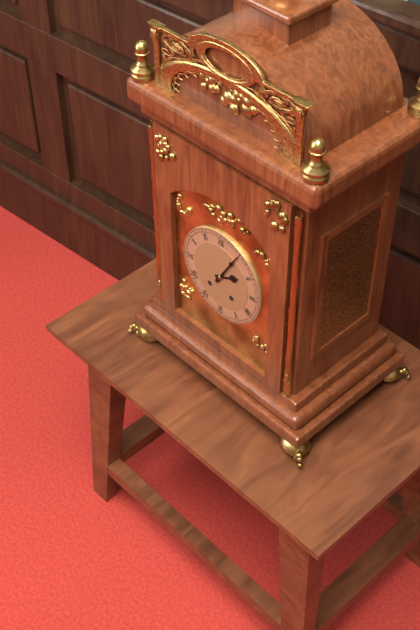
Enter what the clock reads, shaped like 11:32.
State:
2:05
